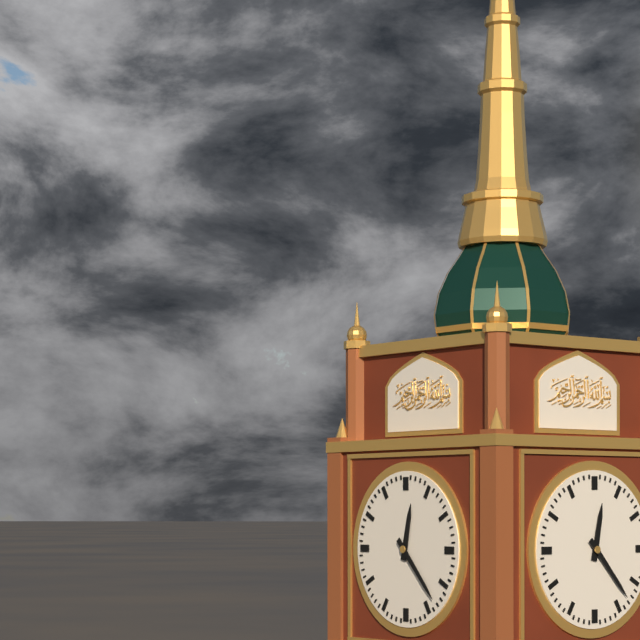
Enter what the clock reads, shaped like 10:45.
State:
12:23
